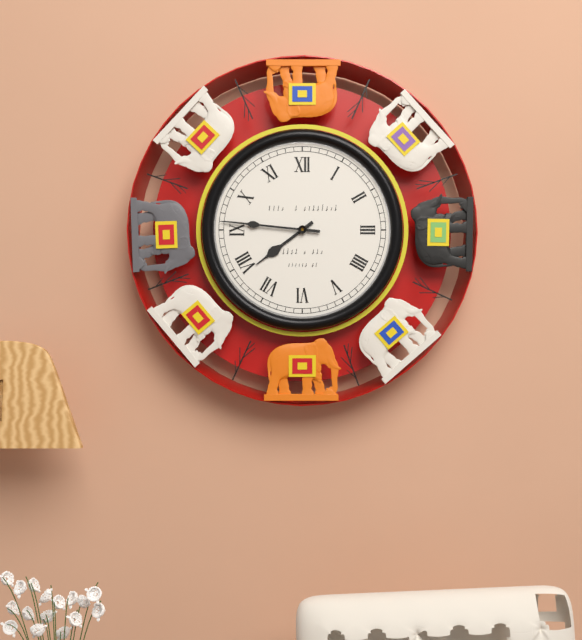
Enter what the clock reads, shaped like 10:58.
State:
7:46
